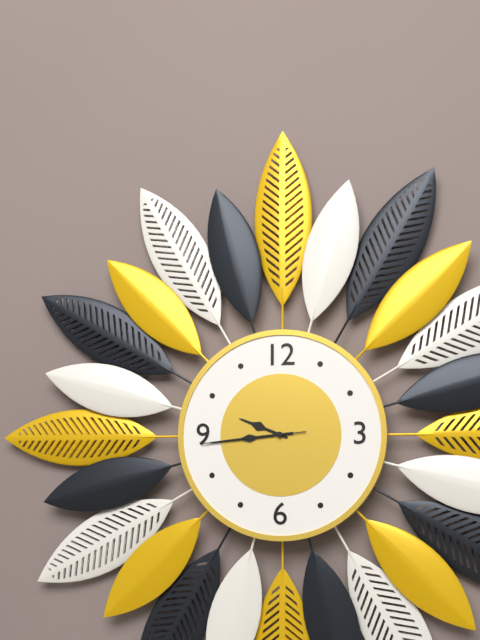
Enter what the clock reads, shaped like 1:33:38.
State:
9:44:44
